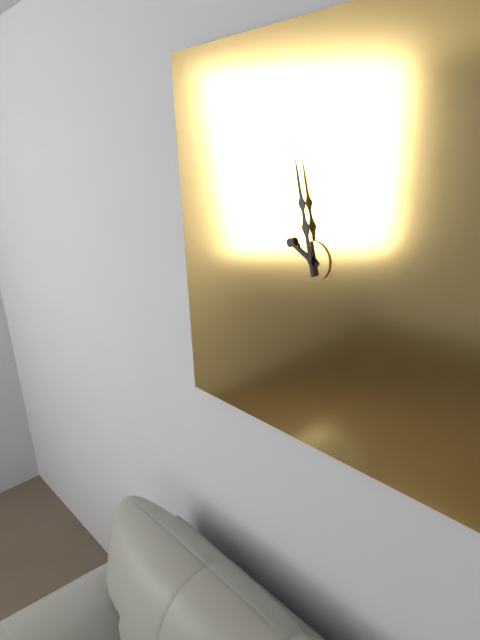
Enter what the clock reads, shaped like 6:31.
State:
9:58
